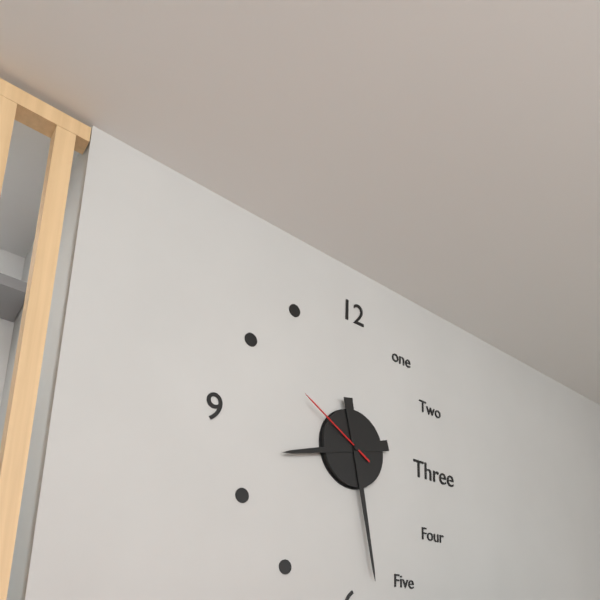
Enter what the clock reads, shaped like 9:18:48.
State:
8:28:50
